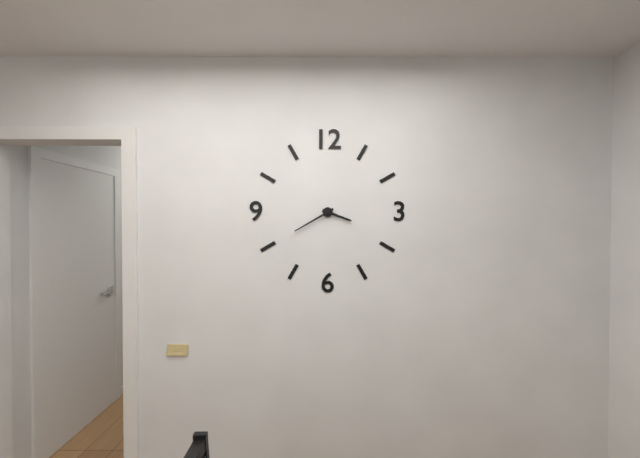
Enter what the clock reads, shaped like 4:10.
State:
3:40
